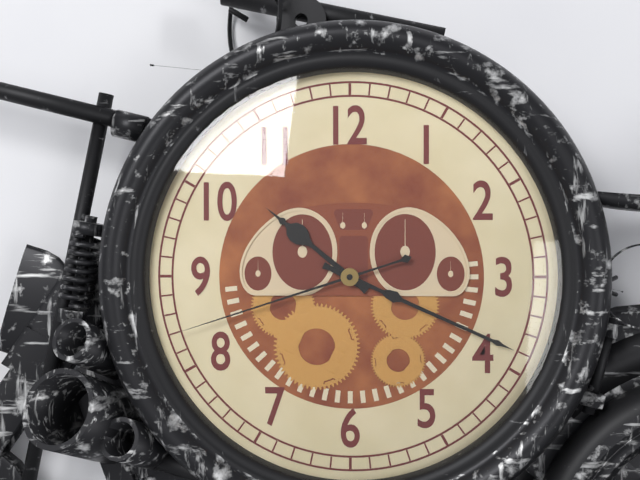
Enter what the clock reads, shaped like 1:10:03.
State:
10:19:42
